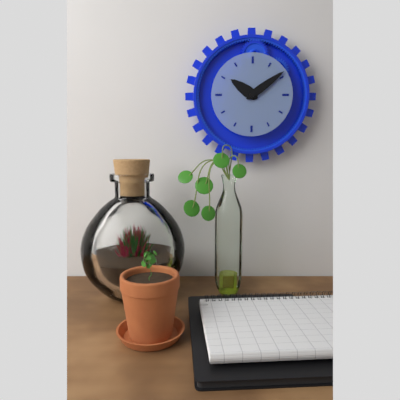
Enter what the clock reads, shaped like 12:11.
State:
10:09
